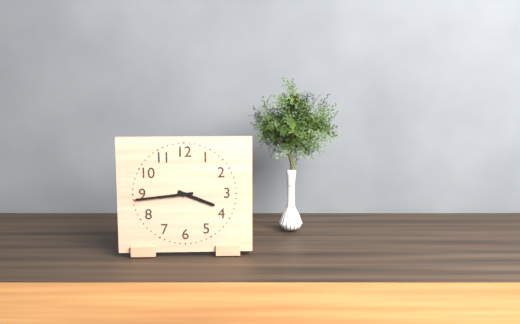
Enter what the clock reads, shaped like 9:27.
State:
3:44
